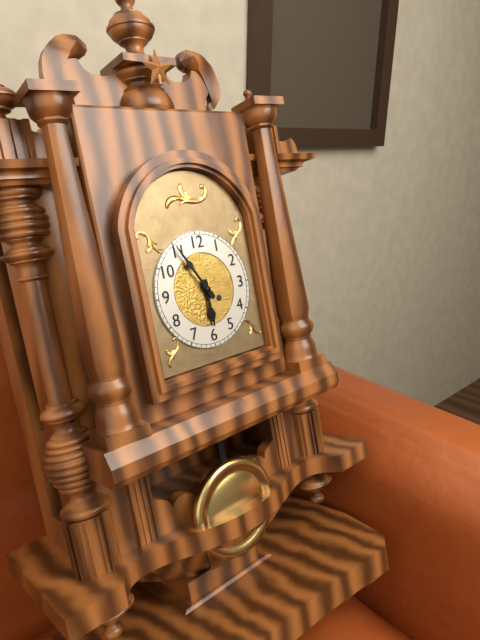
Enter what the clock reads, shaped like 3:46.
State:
5:55
